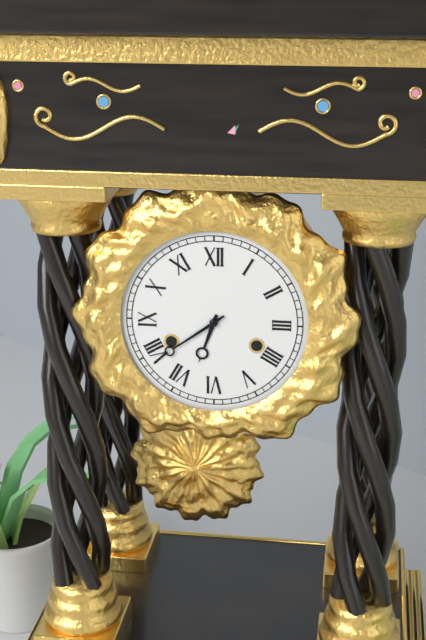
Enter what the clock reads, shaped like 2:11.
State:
6:39
